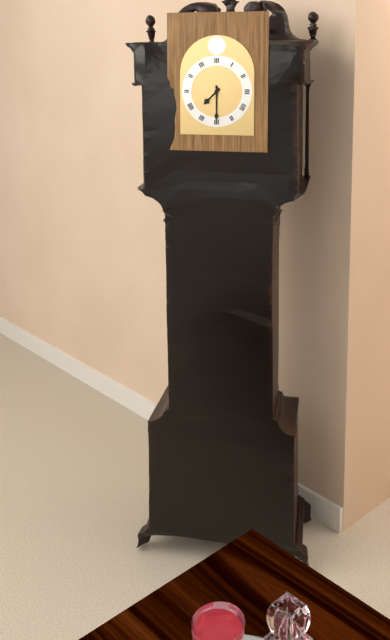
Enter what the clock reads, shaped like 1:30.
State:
7:30
